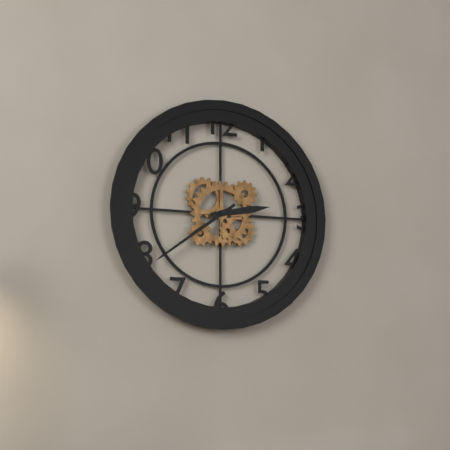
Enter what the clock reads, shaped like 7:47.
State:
2:39
